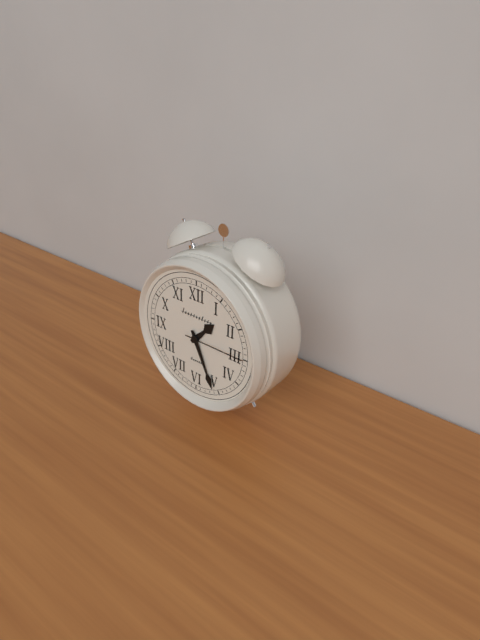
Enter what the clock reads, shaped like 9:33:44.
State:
1:26:15
